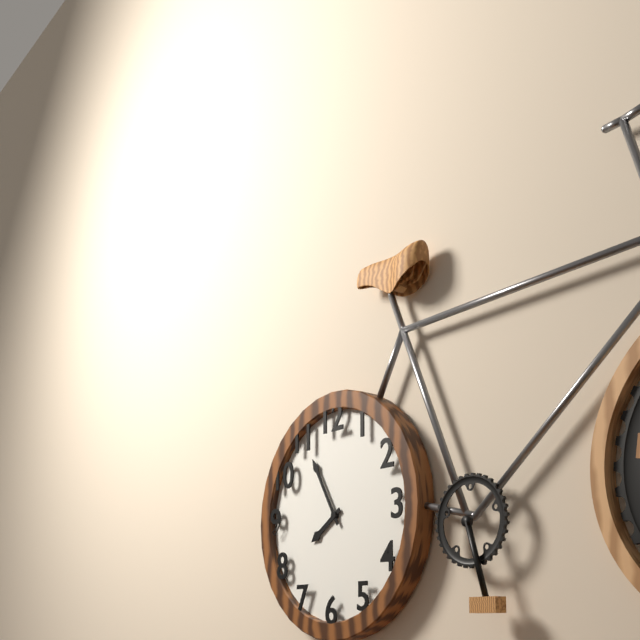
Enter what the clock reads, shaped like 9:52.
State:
7:55
